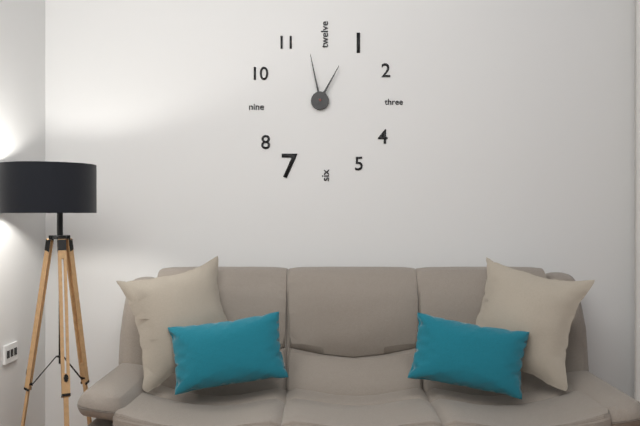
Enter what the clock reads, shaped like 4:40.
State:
12:58
